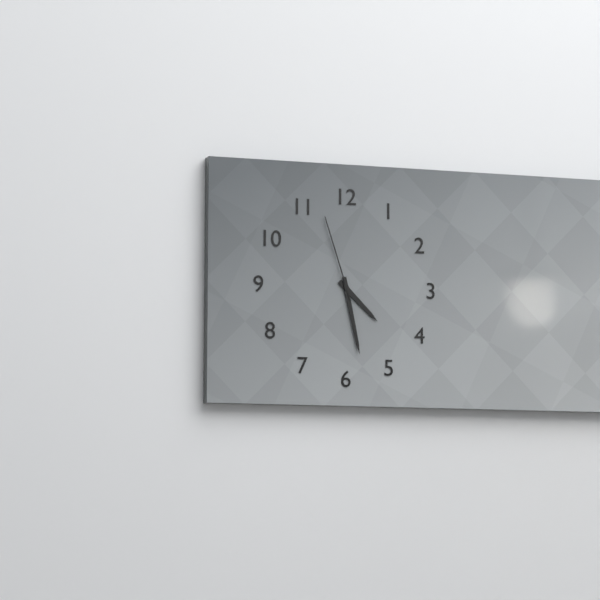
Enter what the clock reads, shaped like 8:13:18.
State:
4:28:57
